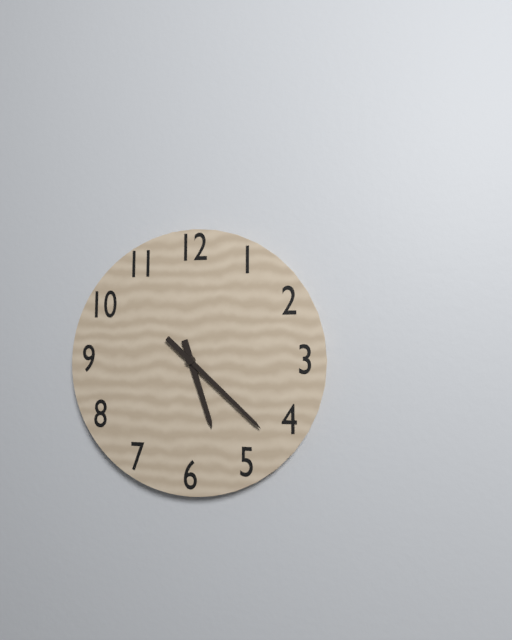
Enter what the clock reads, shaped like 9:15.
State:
5:22
